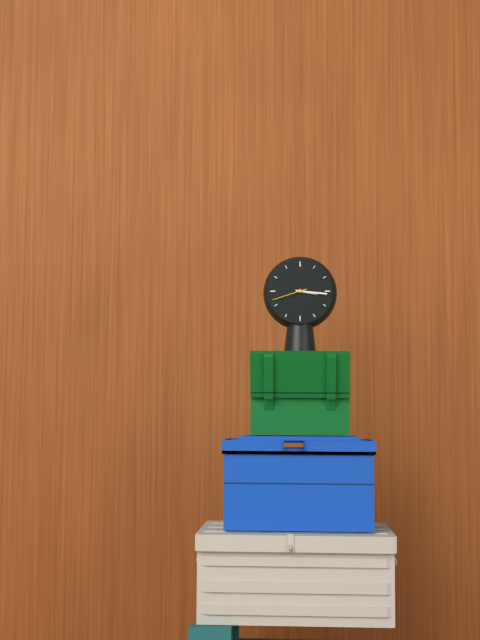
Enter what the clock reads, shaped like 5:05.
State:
3:16
